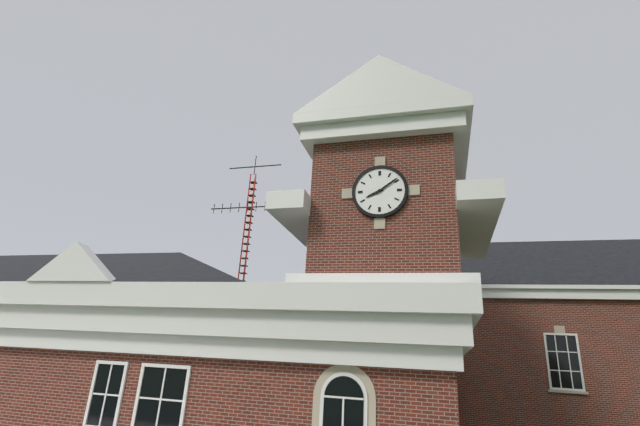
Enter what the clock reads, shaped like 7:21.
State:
8:09
